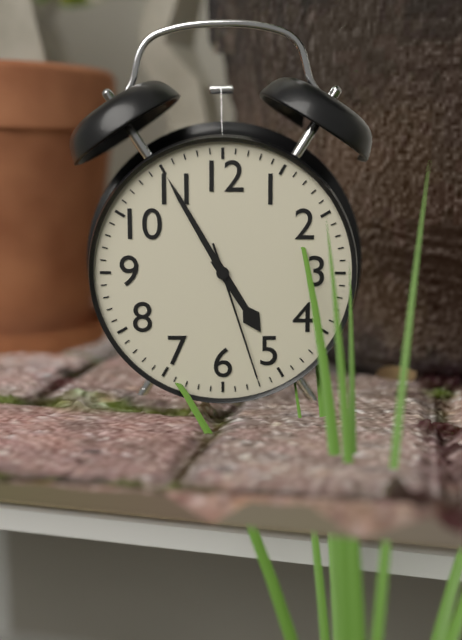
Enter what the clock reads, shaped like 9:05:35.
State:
4:55:27
